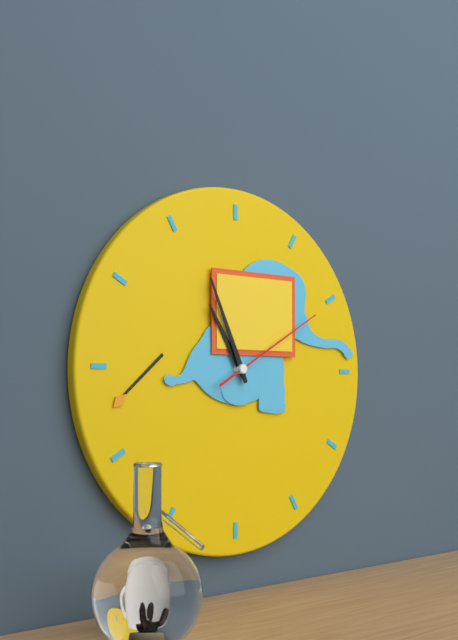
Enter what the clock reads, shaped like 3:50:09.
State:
10:56:10
